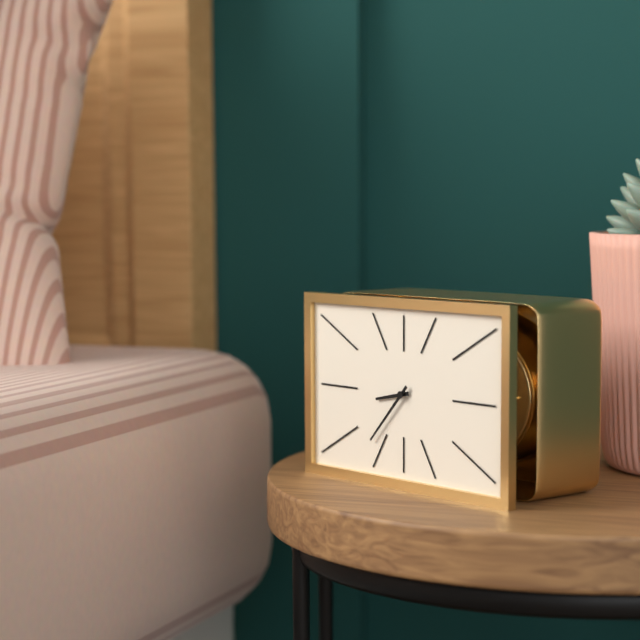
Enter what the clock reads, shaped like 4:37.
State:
8:37
